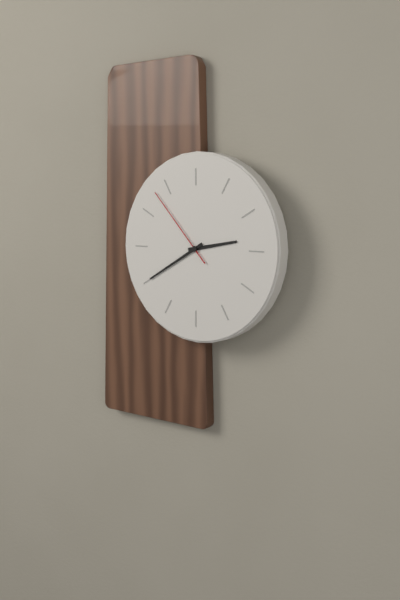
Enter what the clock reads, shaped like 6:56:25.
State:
2:40:53
